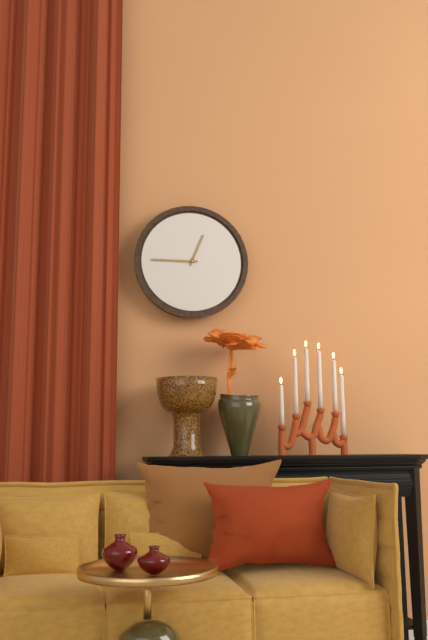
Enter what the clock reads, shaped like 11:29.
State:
12:45
